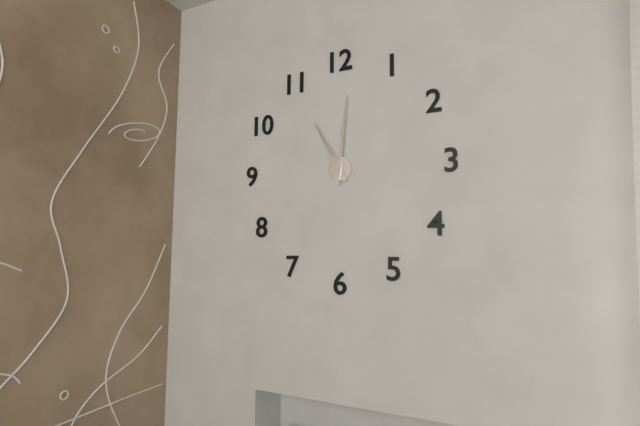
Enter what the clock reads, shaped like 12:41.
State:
11:01
